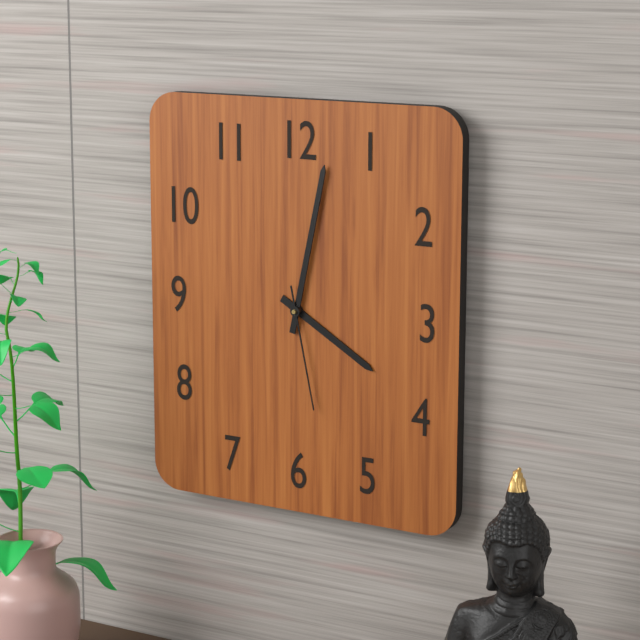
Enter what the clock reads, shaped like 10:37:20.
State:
4:02:28
